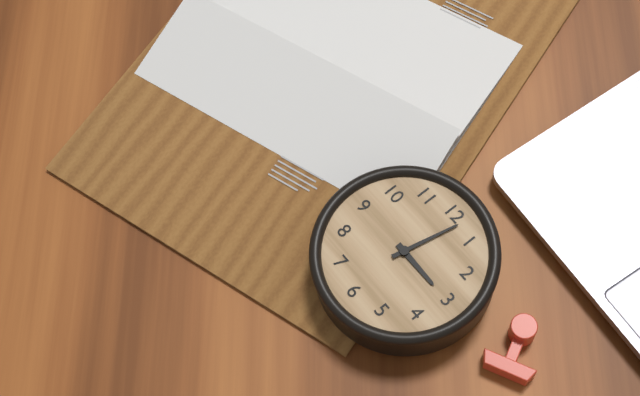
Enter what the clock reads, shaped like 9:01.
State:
3:02
